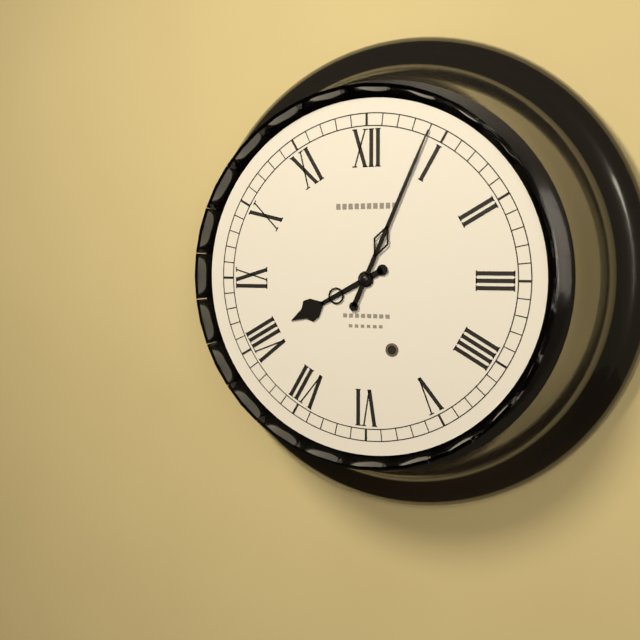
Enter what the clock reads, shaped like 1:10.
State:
8:04
